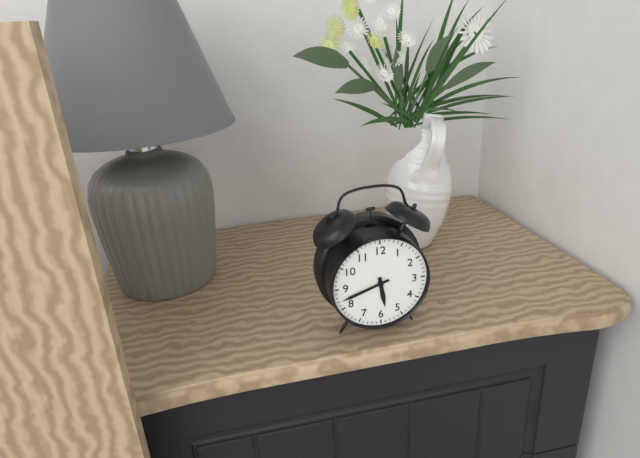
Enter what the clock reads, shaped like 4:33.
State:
5:42
